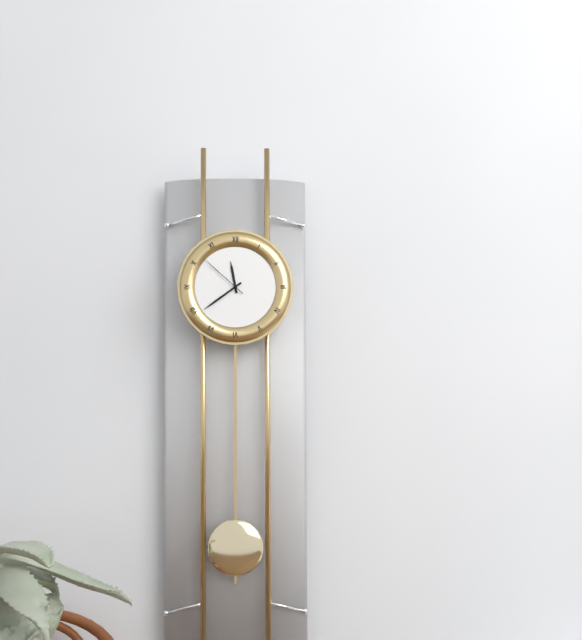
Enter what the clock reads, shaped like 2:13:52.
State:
11:39:52
